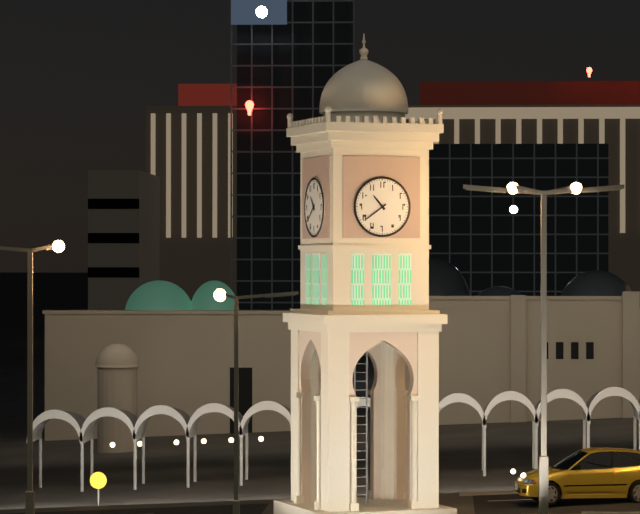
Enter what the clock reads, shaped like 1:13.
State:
10:39
